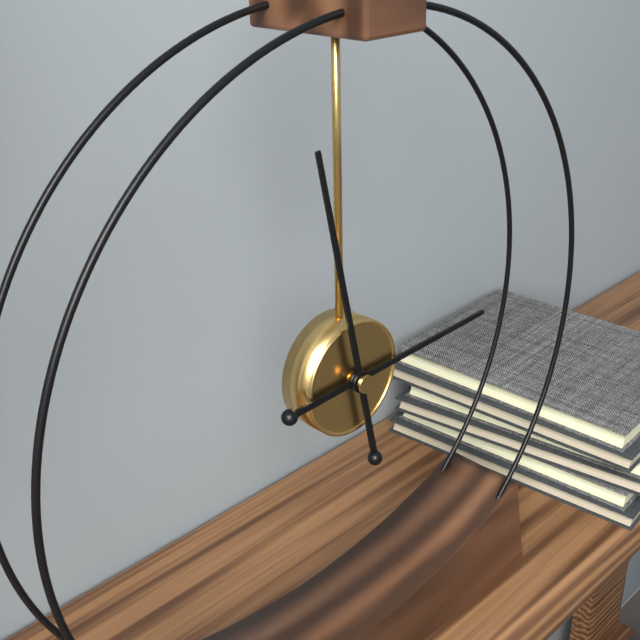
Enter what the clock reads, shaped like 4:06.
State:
2:58
